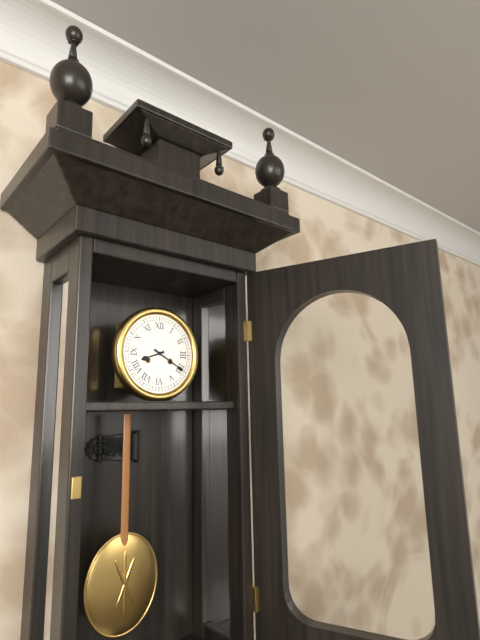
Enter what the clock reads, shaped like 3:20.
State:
8:20
